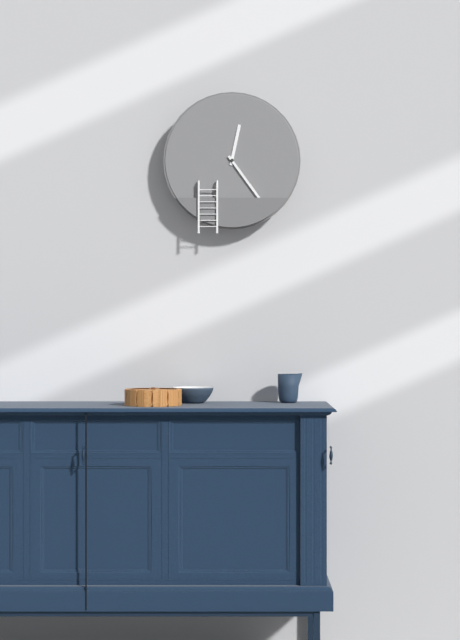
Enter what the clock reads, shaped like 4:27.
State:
12:24
